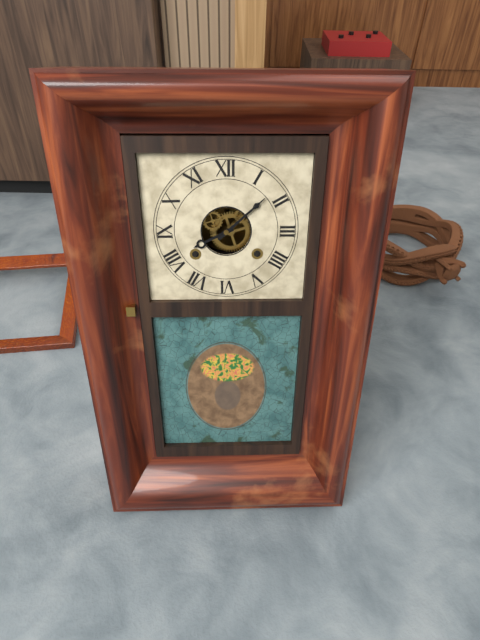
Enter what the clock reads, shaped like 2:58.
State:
8:08
